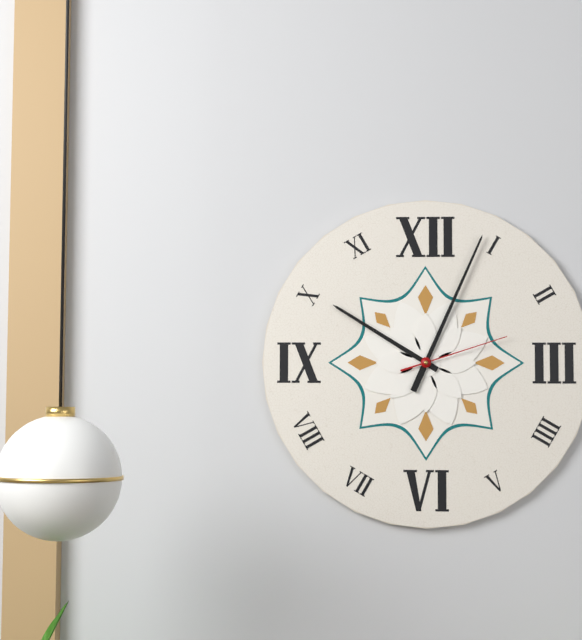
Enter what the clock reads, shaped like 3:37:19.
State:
10:04:12
